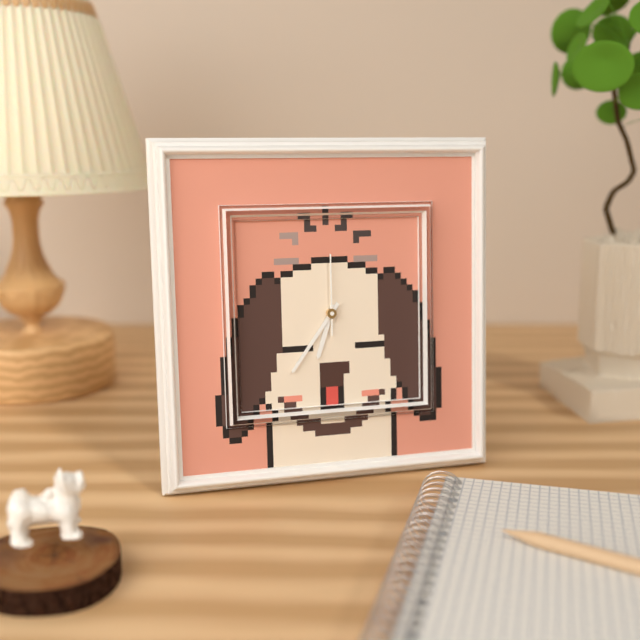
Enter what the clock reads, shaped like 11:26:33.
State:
6:36:00
